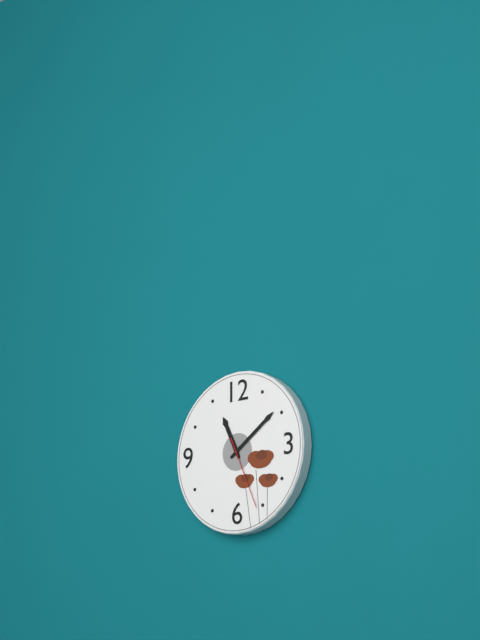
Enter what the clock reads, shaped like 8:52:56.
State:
11:09:26
